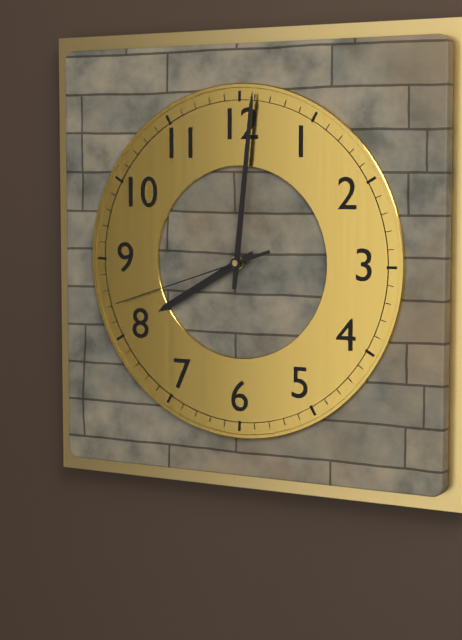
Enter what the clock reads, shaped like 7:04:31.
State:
8:01:42
